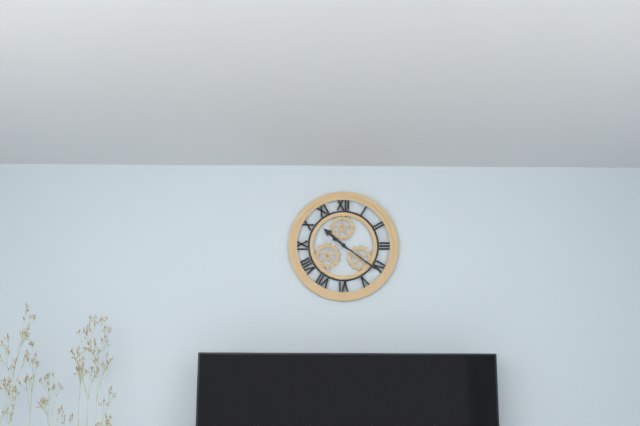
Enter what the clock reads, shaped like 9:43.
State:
10:21
